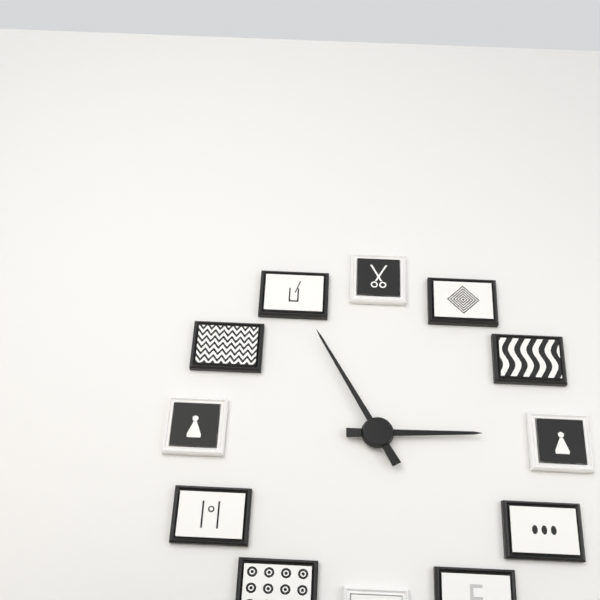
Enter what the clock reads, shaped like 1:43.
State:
2:55
